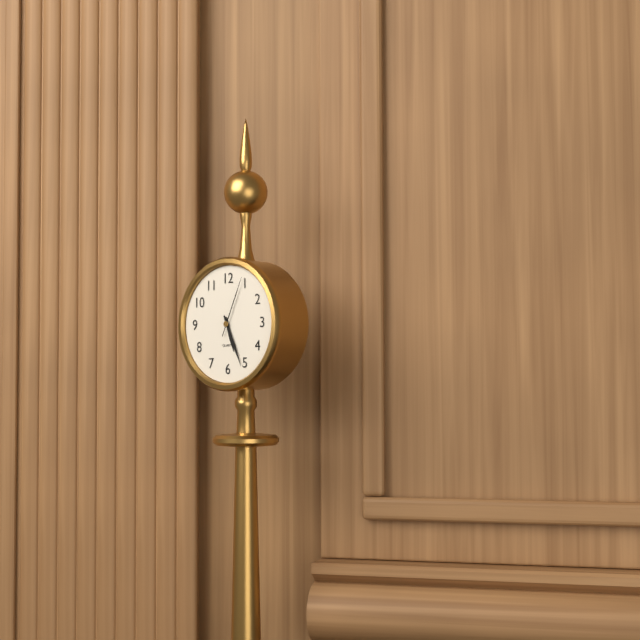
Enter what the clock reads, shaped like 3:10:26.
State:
5:26:04
